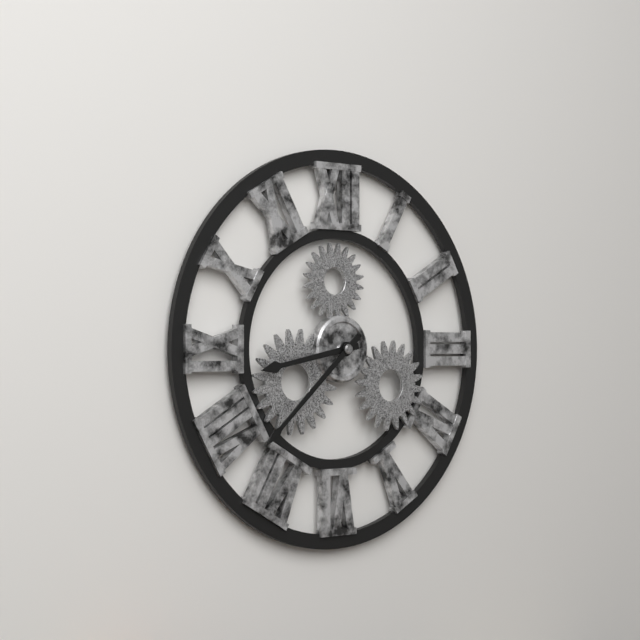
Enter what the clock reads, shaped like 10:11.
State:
8:38
